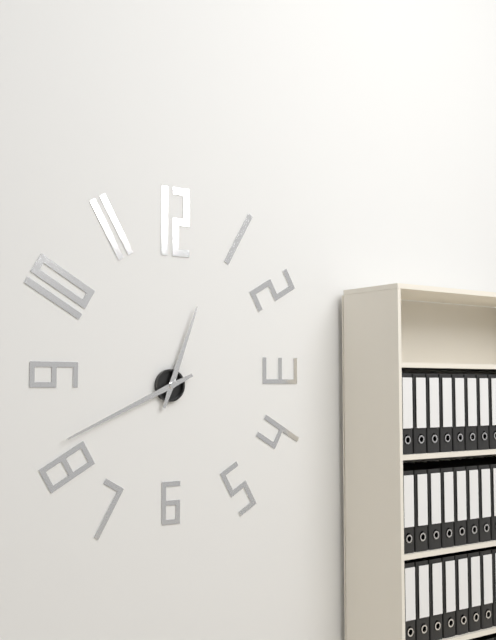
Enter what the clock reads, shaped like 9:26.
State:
12:41
